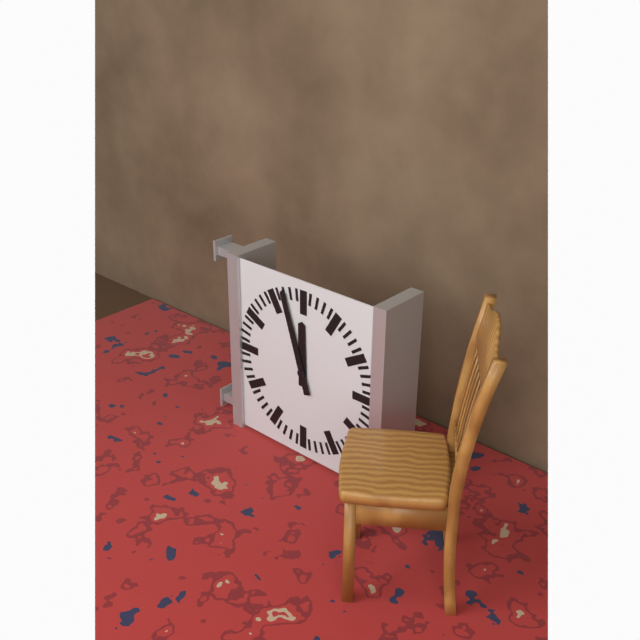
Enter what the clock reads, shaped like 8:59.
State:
11:57
